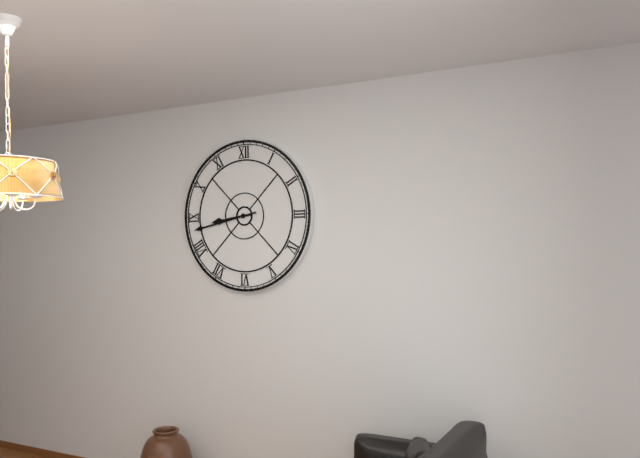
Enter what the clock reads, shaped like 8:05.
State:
8:43
